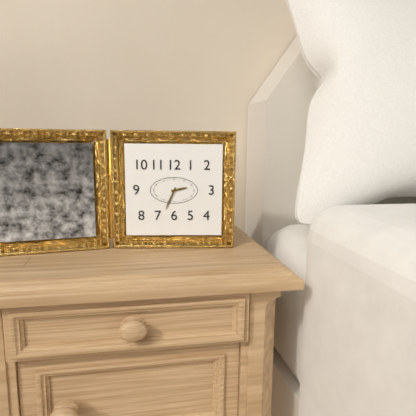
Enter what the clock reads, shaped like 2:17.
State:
2:34
